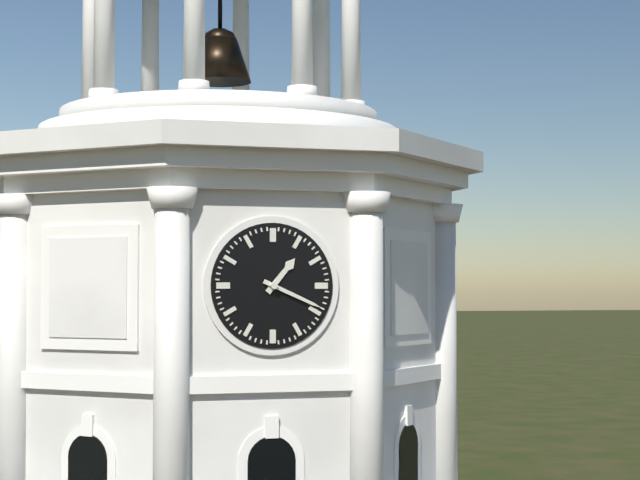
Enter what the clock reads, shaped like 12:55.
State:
1:19
